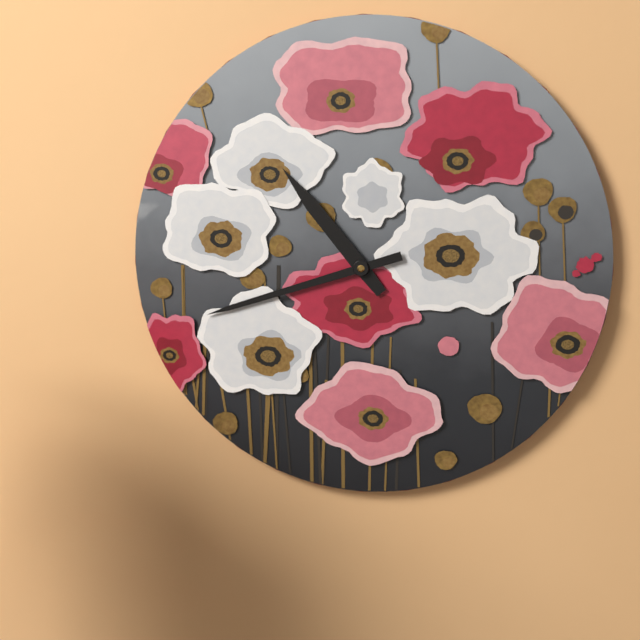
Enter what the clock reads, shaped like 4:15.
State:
10:42
